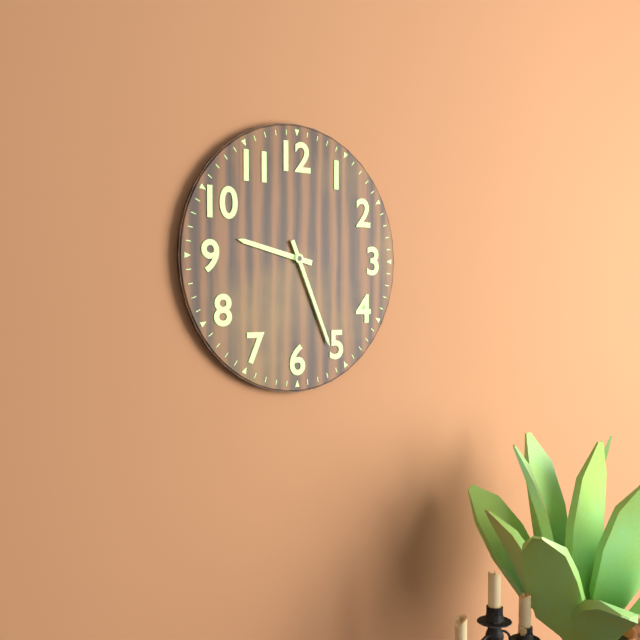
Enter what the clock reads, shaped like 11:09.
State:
9:26
